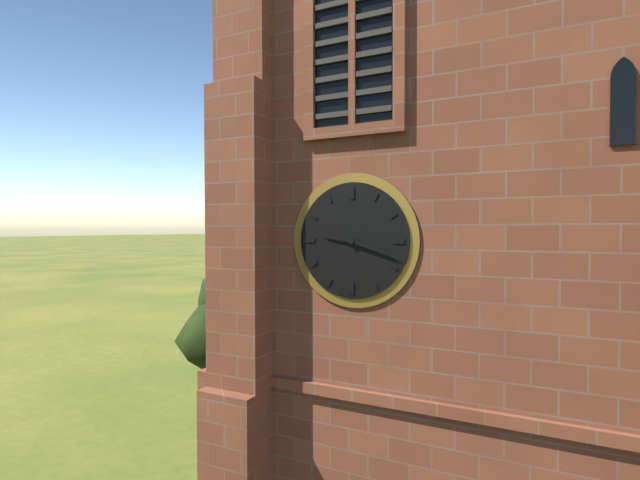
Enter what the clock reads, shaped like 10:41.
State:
9:18
